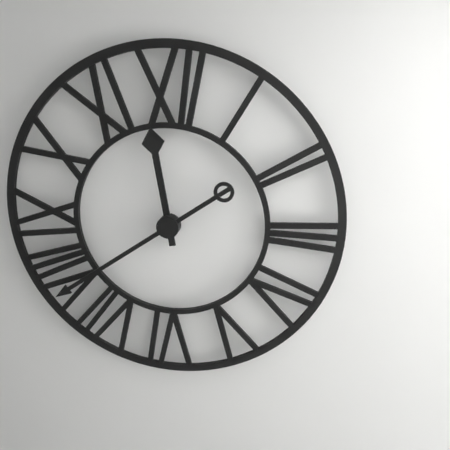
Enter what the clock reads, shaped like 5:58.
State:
11:39
